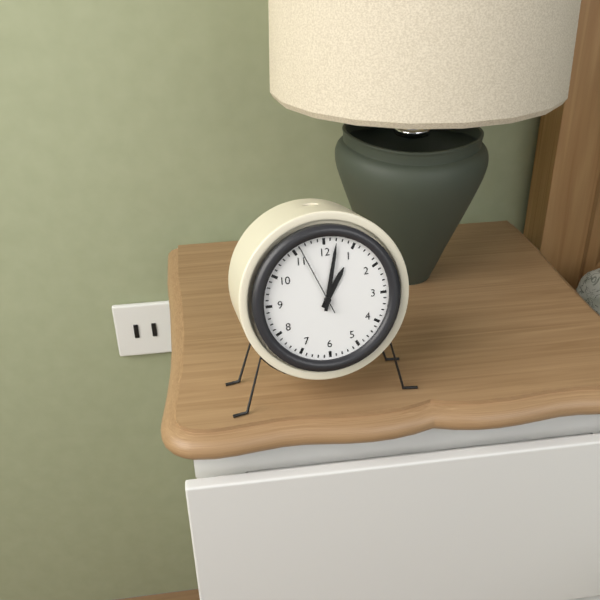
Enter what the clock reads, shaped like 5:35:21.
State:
1:02:56
